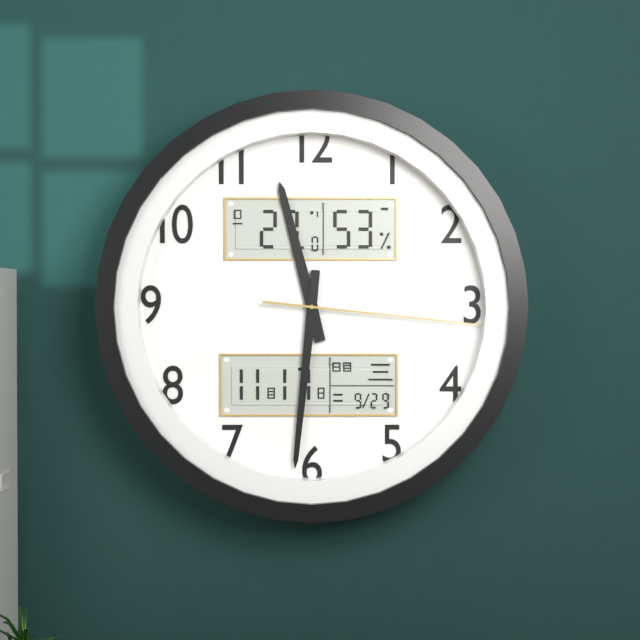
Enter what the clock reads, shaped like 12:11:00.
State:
11:31:16
